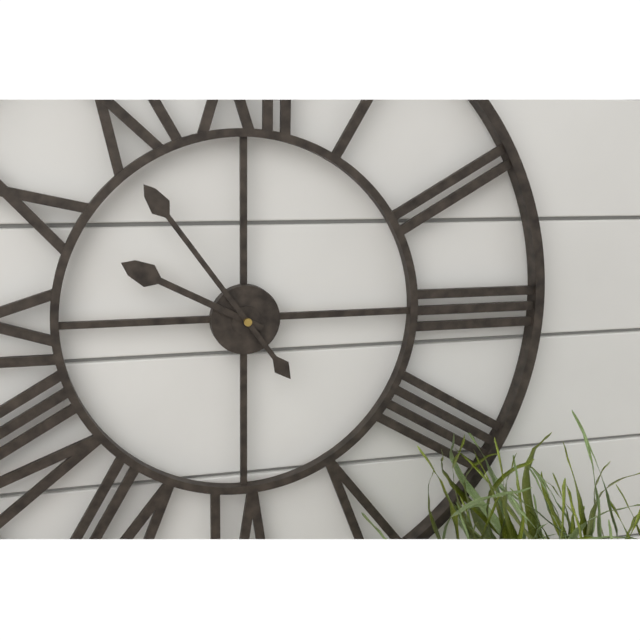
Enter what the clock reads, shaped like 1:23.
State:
9:54
